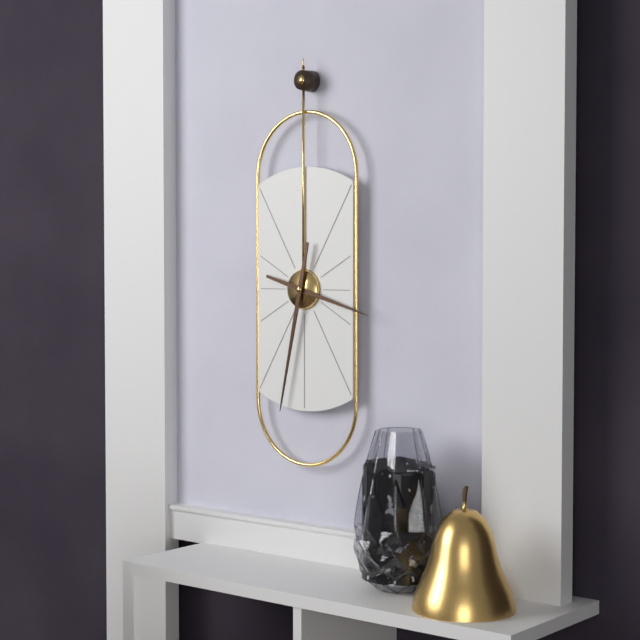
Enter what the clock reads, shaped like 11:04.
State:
3:32
